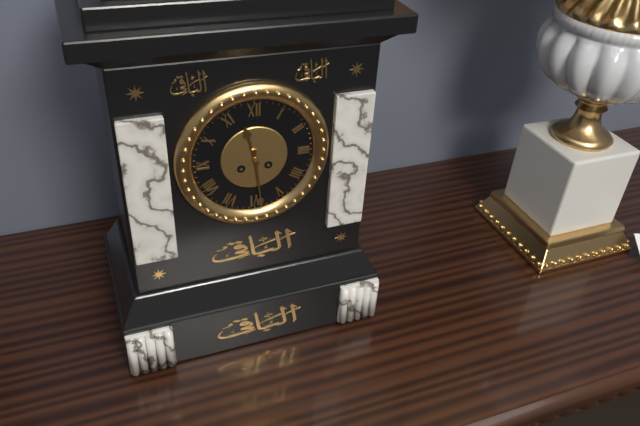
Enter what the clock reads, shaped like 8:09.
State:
11:29
